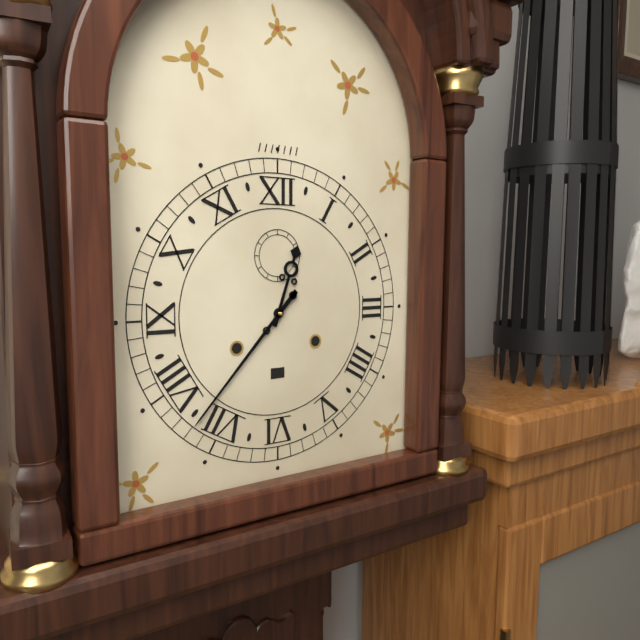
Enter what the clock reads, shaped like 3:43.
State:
12:37
